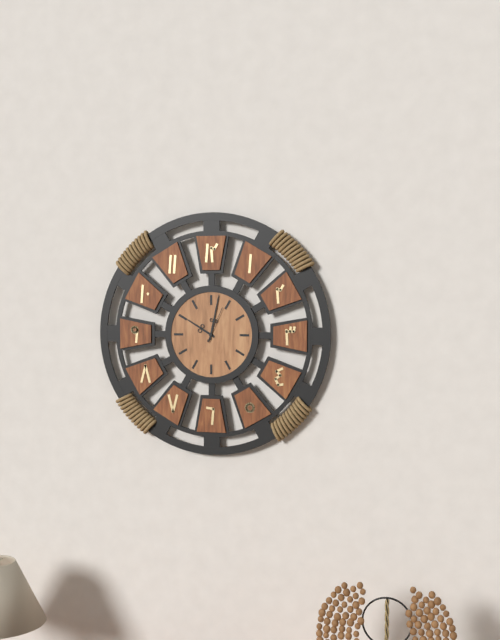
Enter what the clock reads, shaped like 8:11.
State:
10:02
